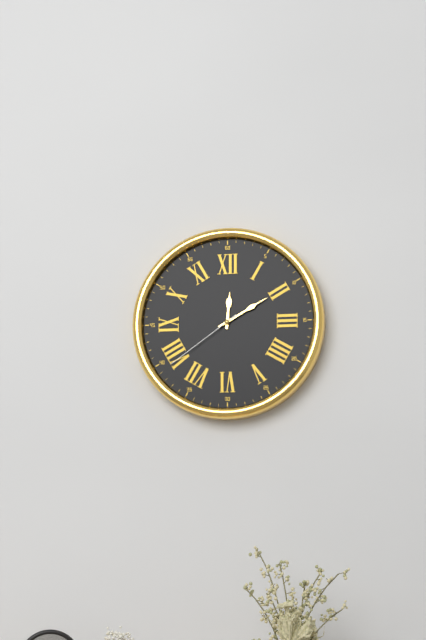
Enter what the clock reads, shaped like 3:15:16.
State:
12:10:39
